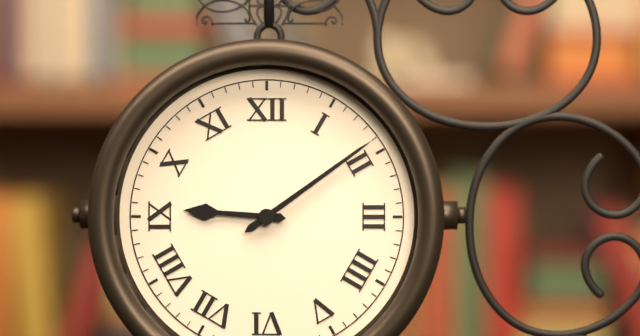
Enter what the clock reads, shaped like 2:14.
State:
9:09
